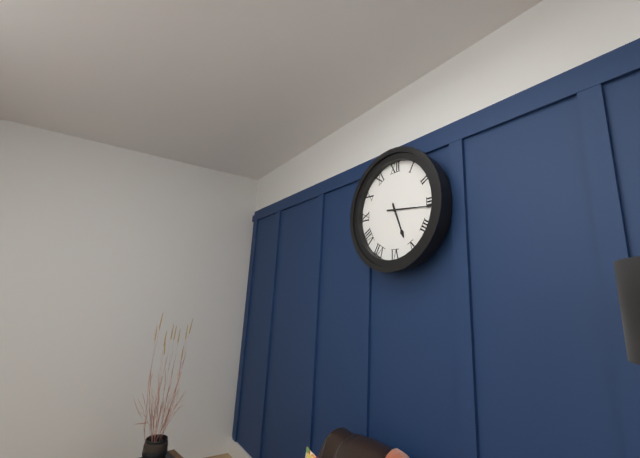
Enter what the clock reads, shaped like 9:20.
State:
5:16
